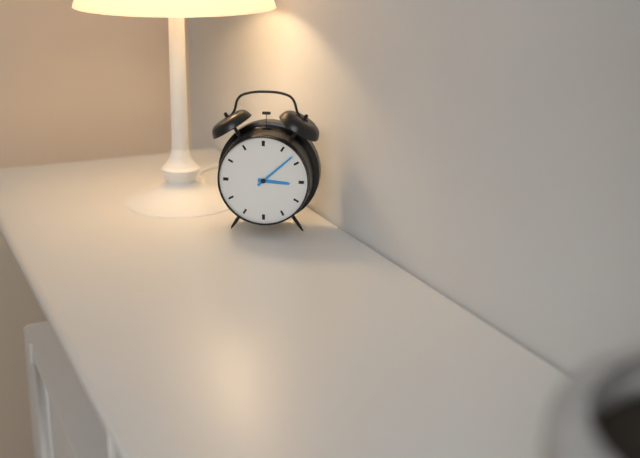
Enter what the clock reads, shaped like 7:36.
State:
3:08
